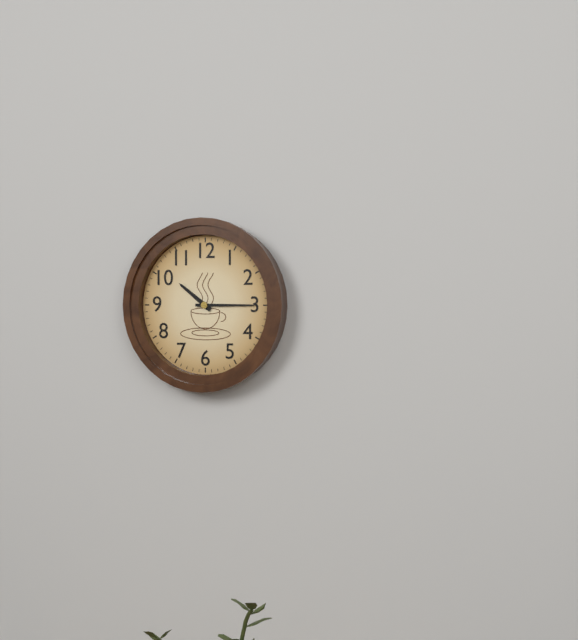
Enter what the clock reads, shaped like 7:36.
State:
10:15
